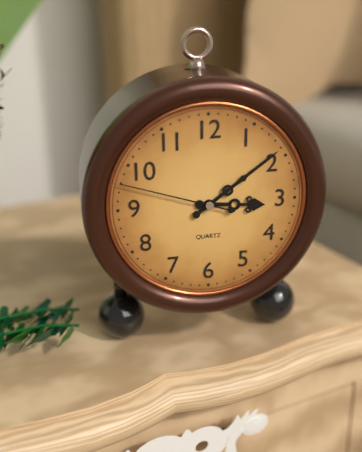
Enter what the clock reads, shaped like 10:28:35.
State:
3:09:48
